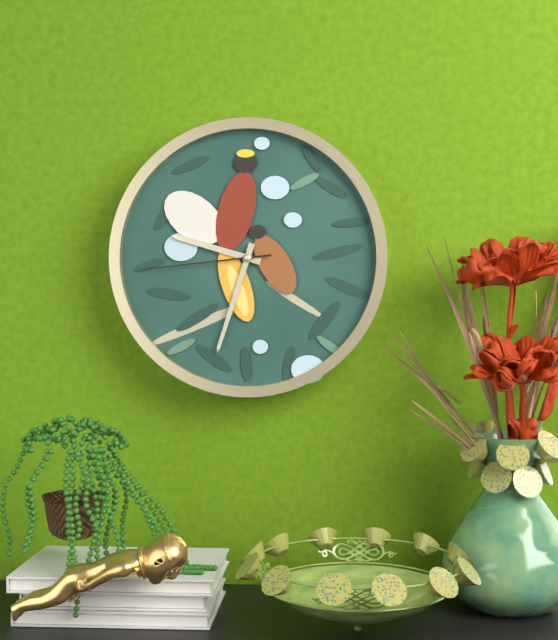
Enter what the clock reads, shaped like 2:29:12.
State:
9:33:44
